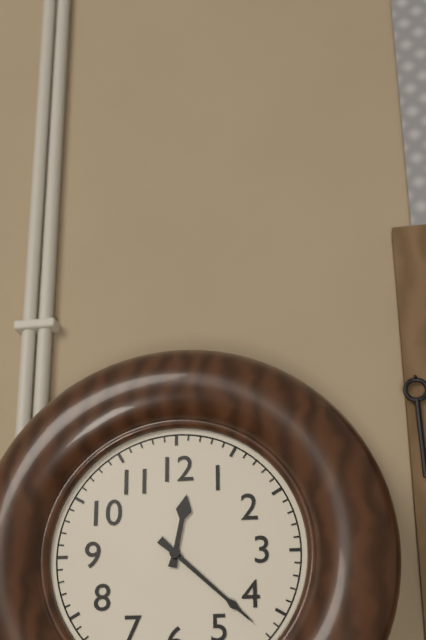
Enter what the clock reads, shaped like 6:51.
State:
12:22
